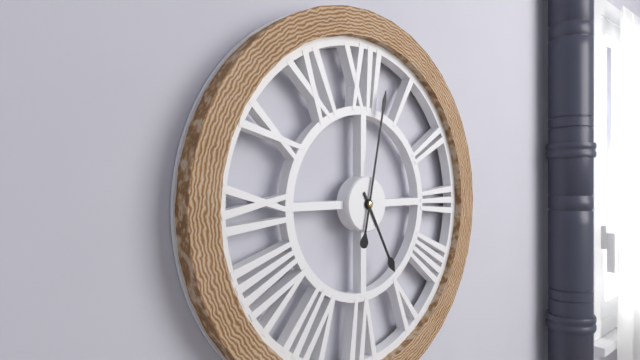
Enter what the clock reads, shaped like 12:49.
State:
5:02
